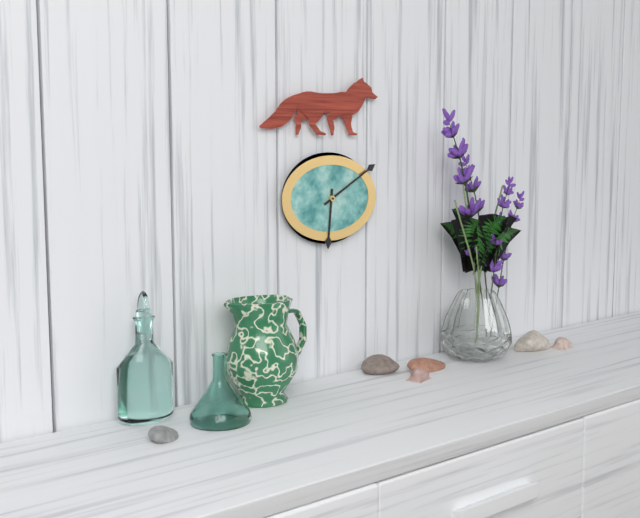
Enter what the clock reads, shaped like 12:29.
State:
6:10
